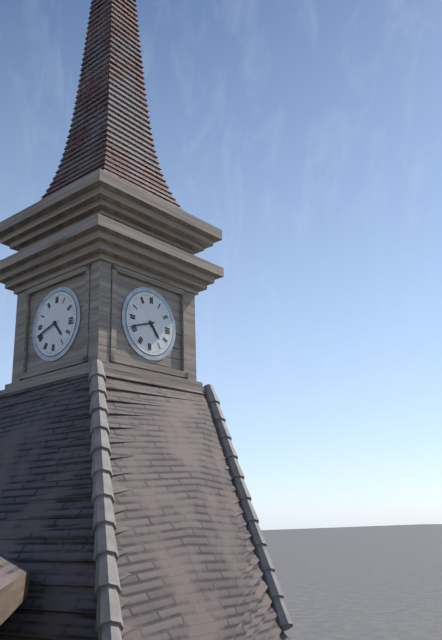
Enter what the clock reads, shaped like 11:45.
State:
4:42
